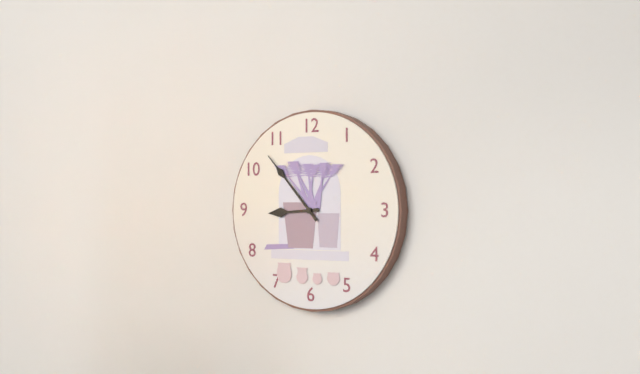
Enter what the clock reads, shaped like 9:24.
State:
8:53
